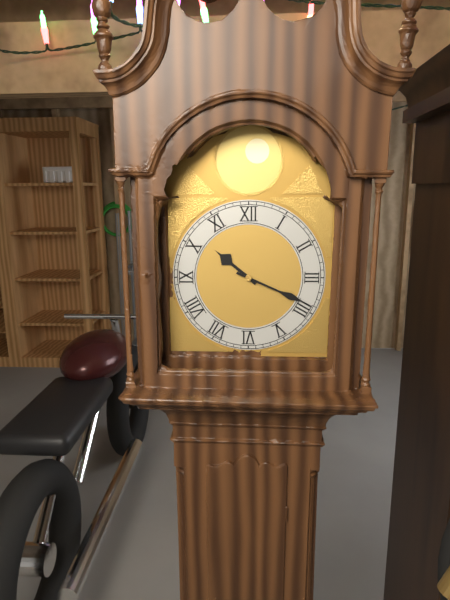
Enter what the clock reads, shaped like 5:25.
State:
10:19
